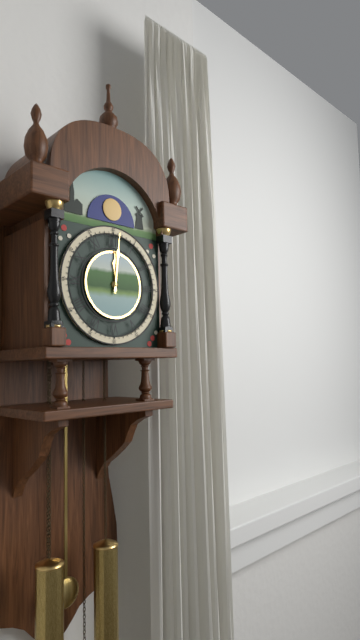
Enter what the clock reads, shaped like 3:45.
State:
12:01
